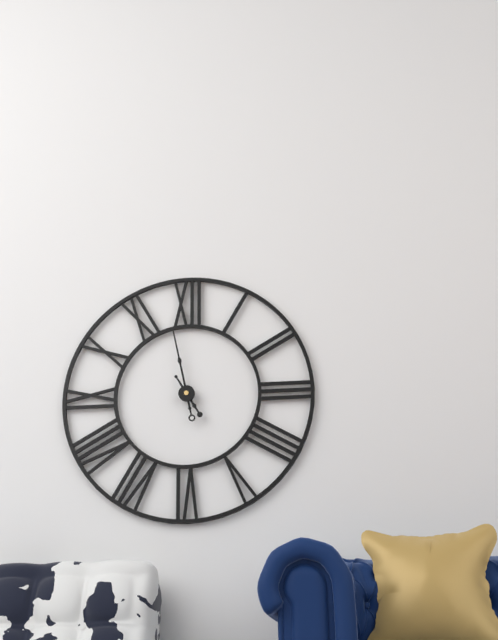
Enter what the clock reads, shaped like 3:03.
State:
4:58
